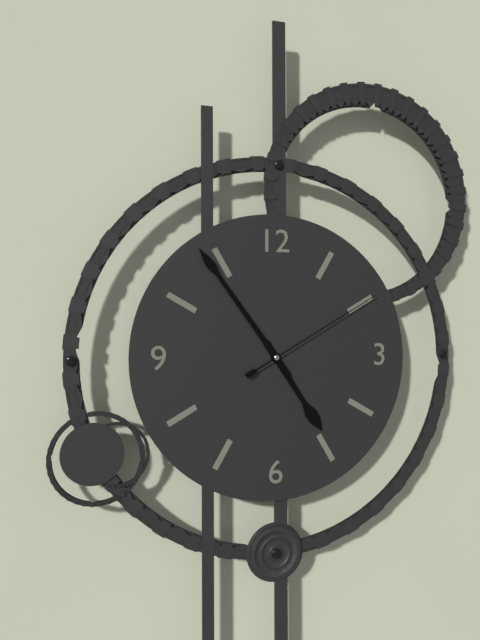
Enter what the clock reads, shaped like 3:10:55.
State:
4:54:10
